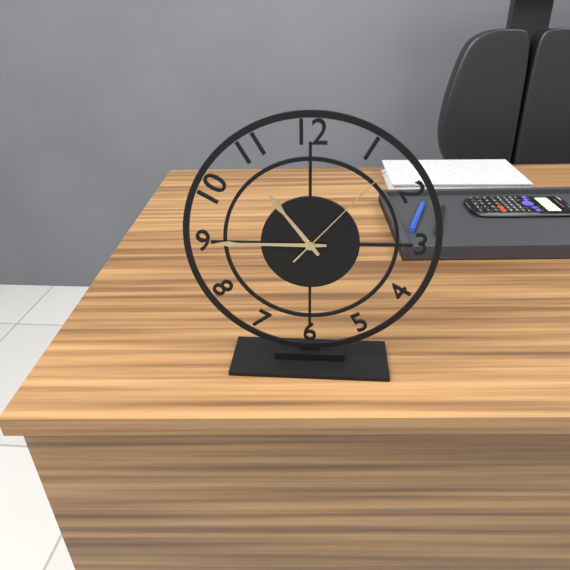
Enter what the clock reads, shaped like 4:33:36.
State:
10:45:07
